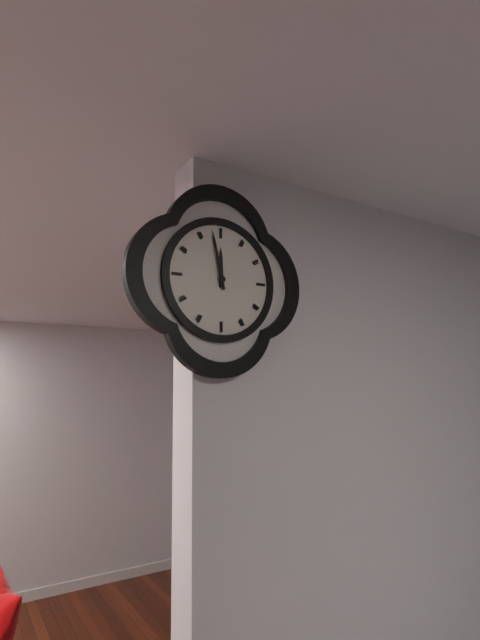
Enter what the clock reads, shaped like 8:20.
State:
11:58
